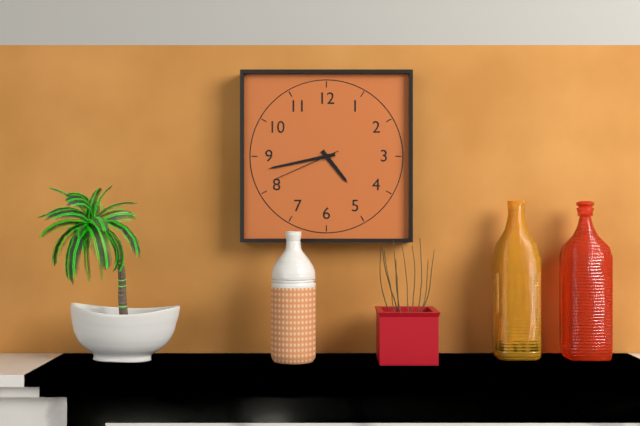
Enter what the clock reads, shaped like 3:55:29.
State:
4:43:41
